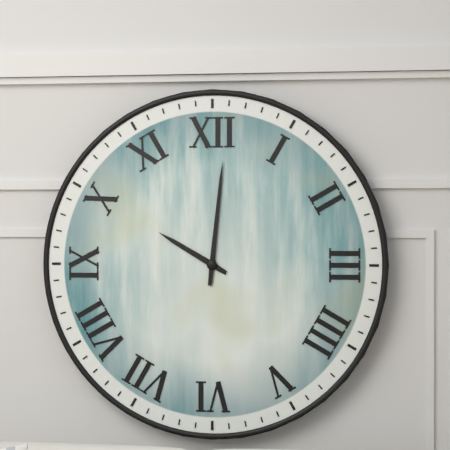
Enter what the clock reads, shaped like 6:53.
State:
10:01
